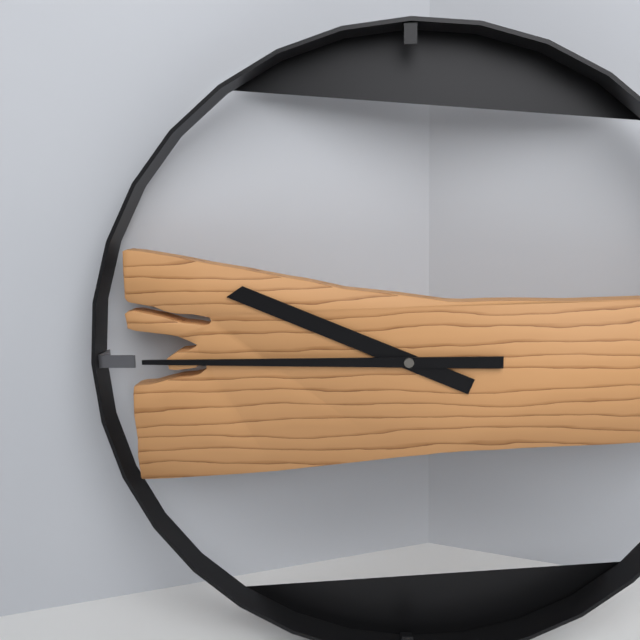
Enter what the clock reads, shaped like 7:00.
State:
9:45
